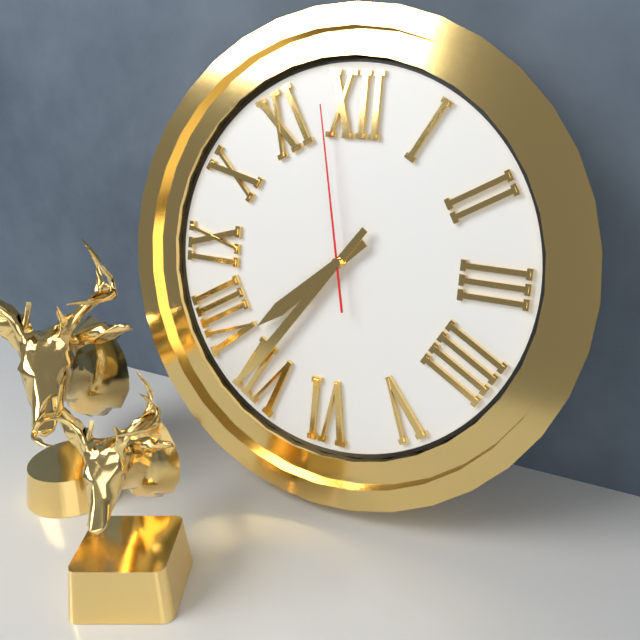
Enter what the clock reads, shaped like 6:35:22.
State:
7:36:58
